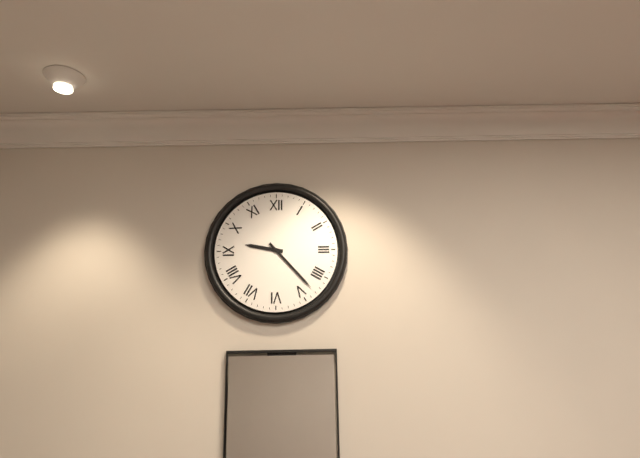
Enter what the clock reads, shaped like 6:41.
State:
9:23
